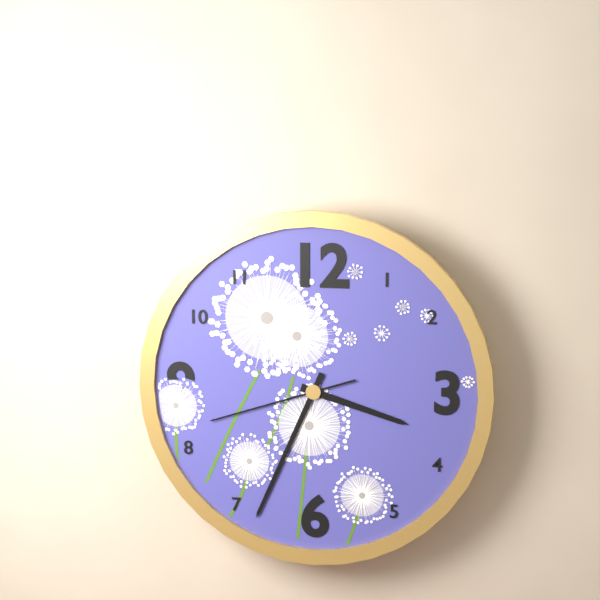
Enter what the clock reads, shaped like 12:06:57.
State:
3:34:42
